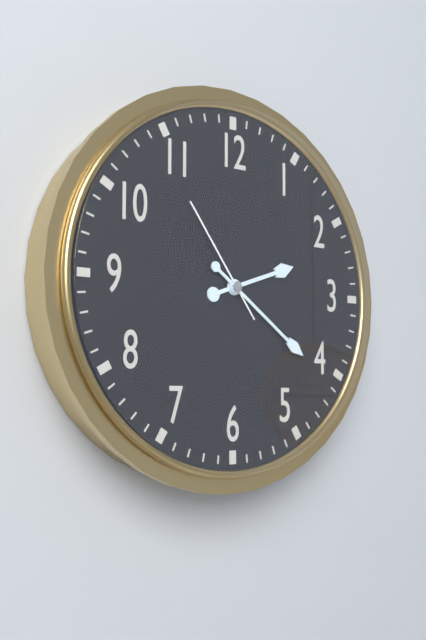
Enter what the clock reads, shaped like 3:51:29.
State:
2:21:54
